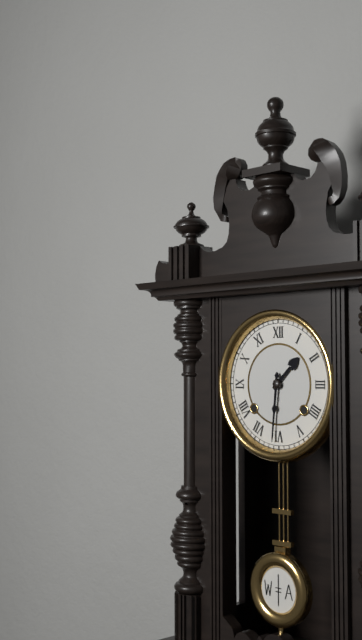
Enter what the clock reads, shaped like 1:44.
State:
1:31
